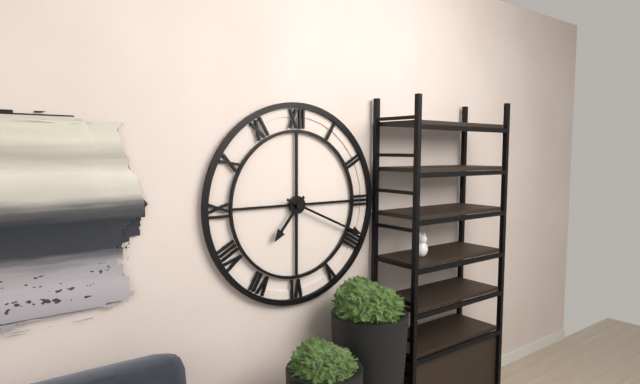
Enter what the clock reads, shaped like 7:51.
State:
7:19
